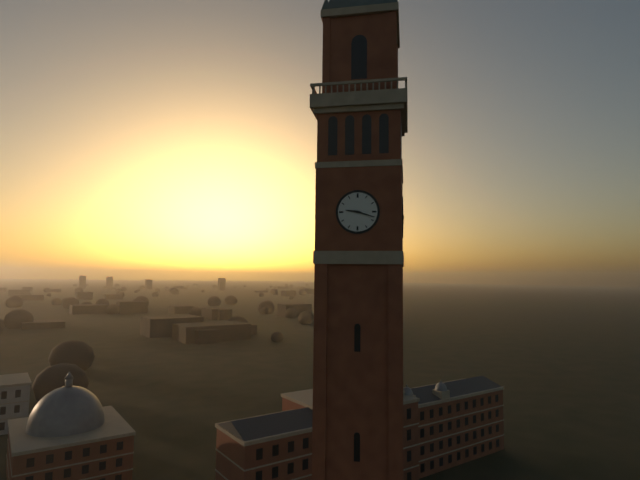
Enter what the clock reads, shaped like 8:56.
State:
9:18
